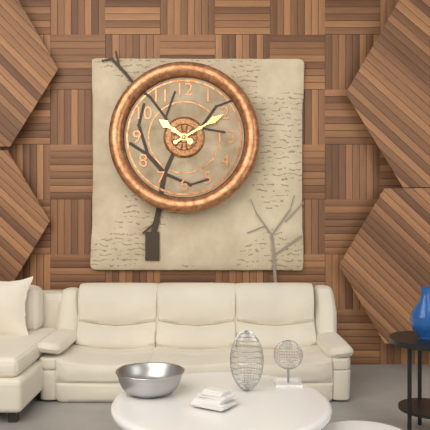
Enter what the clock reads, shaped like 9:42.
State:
10:10
